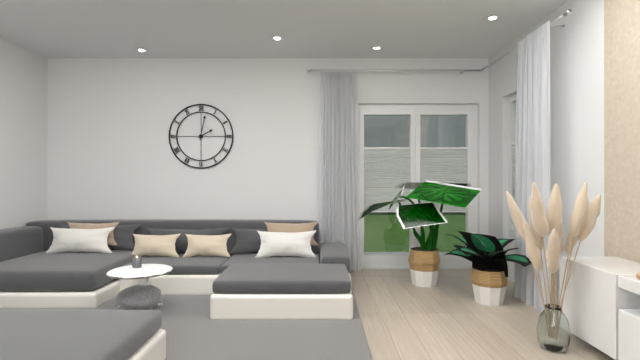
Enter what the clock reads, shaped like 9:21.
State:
2:02
